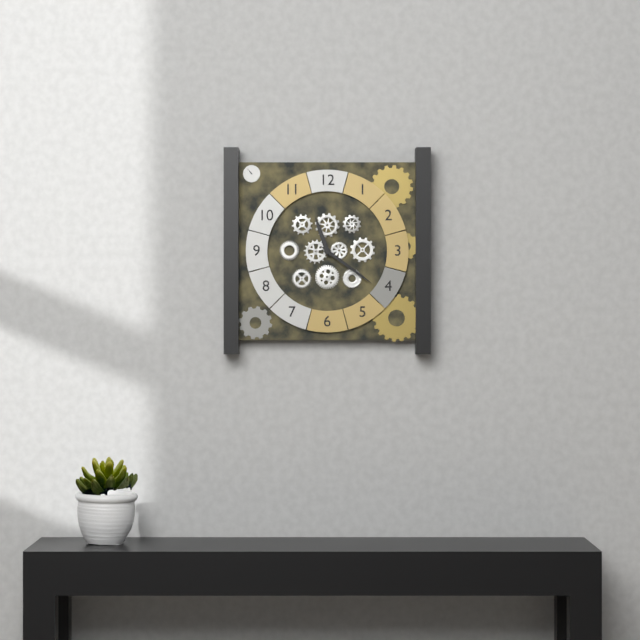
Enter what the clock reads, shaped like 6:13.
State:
11:21
